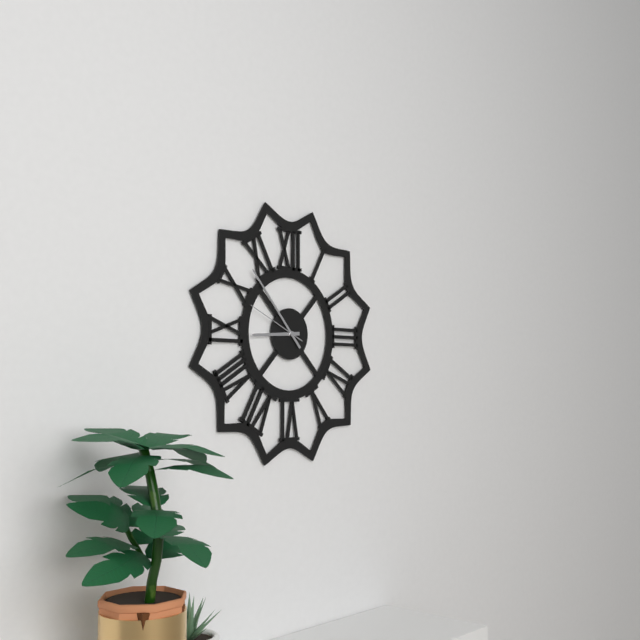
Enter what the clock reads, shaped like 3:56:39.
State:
8:53:49
